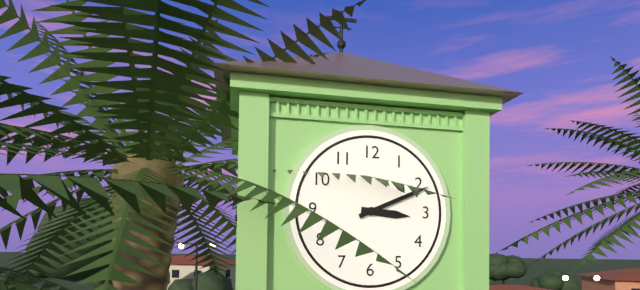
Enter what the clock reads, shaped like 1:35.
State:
3:11
